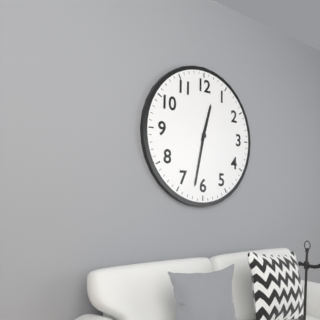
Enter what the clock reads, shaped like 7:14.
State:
12:32
